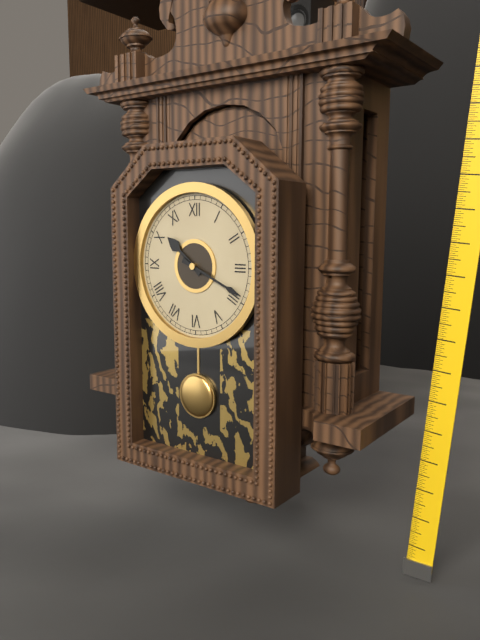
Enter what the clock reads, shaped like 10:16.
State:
10:19
